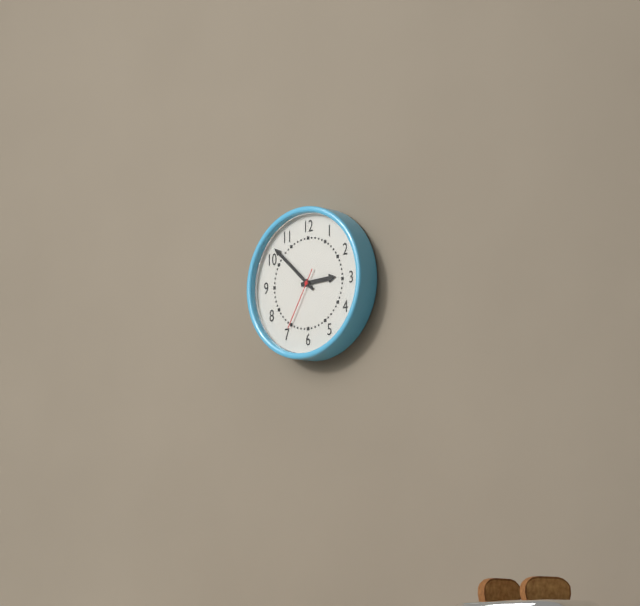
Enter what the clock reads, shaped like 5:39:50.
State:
2:52:35
